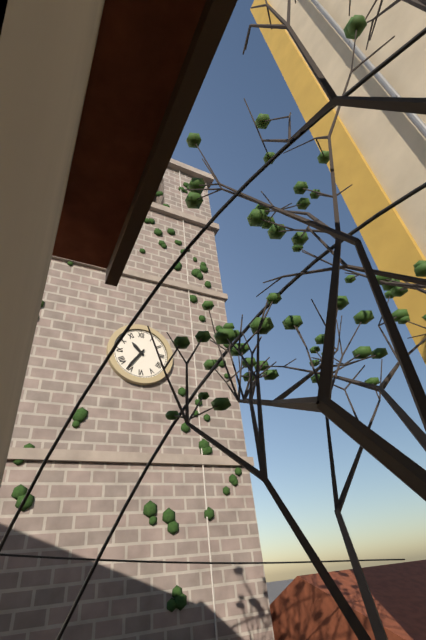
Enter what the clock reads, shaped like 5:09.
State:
10:36
